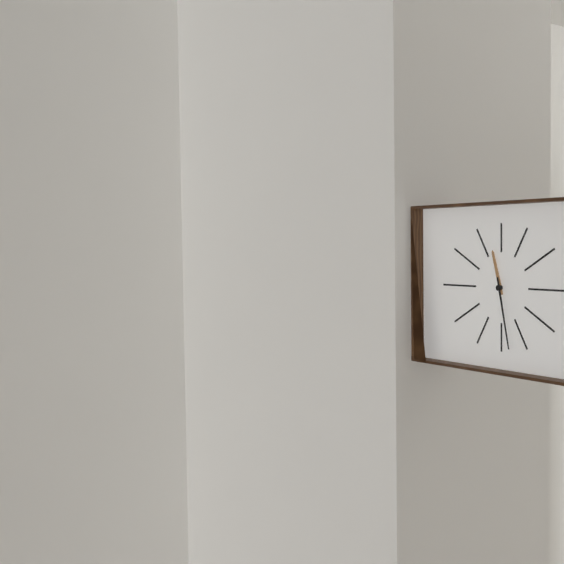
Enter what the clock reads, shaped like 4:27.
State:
11:28
